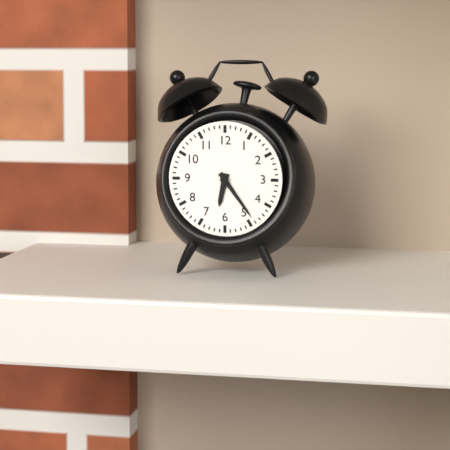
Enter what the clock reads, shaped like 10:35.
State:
6:24
